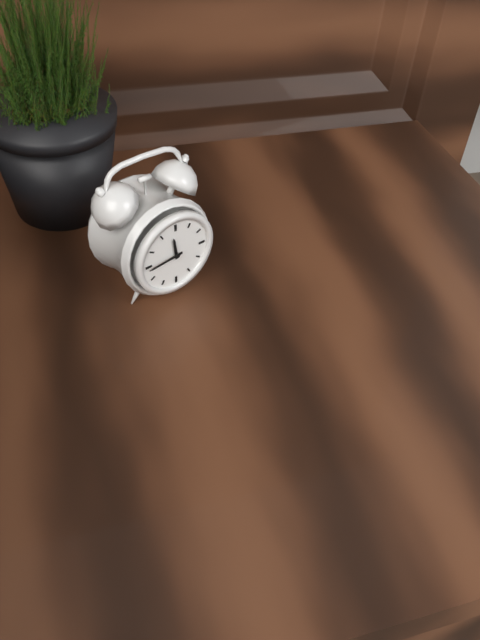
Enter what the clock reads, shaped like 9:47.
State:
11:44
